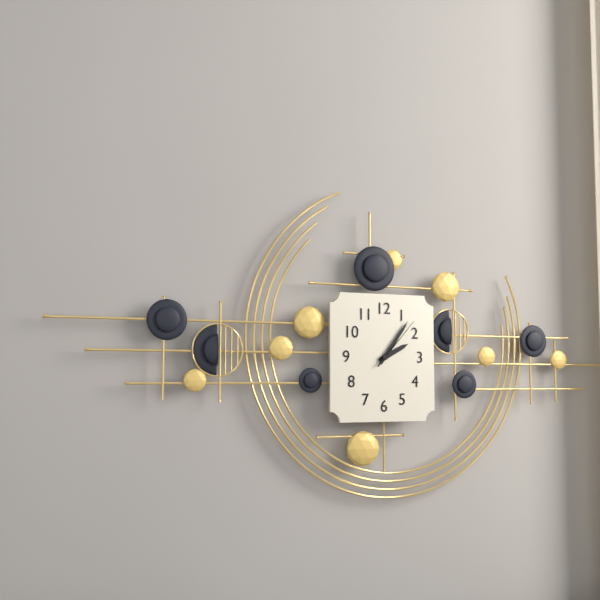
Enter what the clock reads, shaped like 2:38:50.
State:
2:06:07
